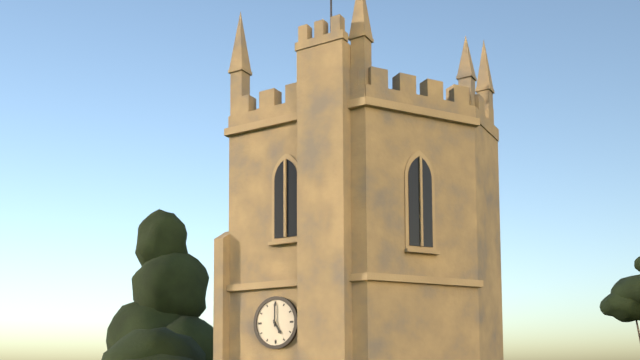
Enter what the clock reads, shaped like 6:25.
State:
5:00
